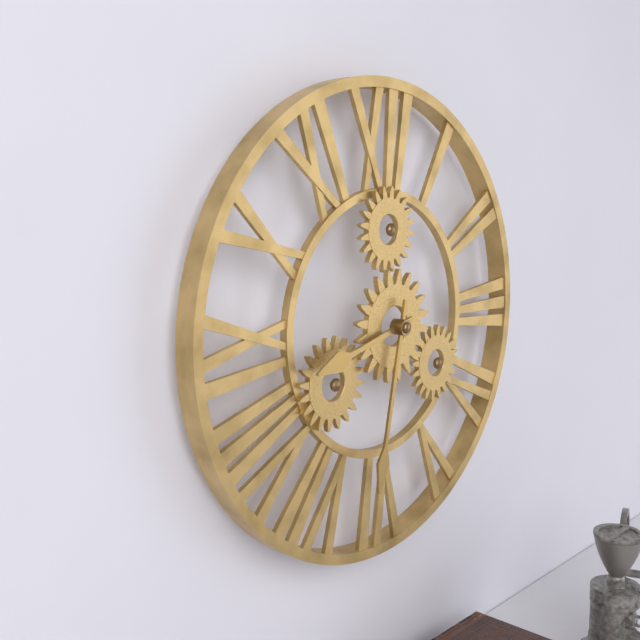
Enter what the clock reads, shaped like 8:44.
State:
8:32
